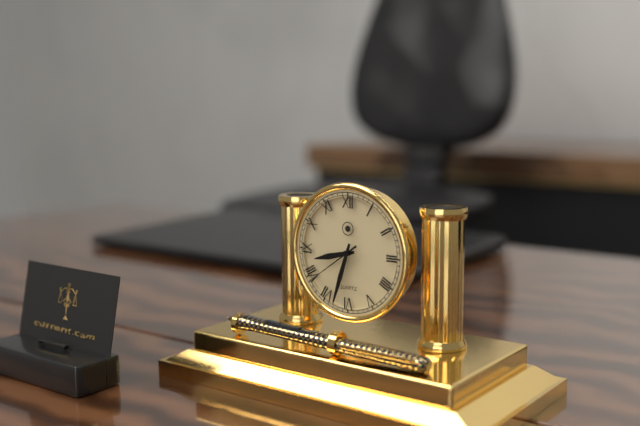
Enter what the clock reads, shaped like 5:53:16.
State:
8:33:39
